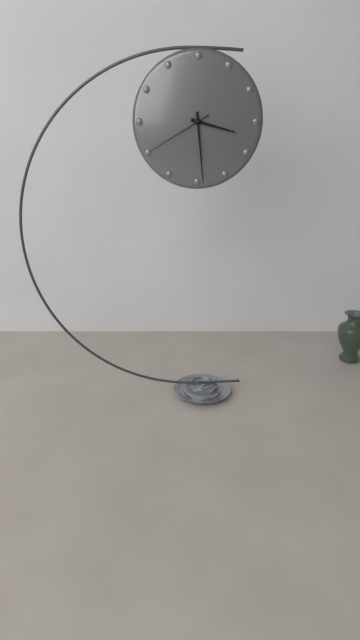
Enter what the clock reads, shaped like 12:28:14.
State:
3:29:40
